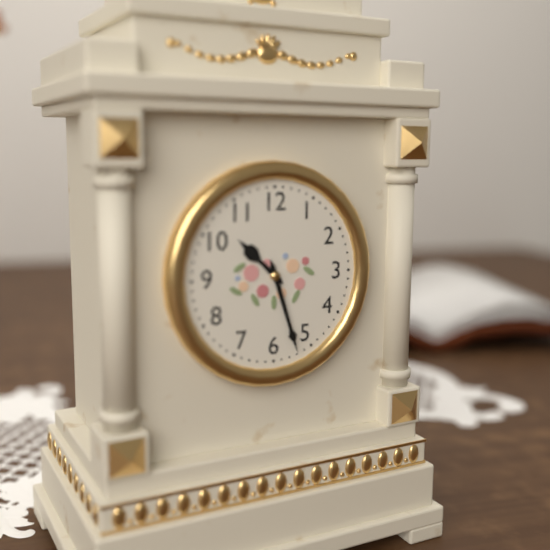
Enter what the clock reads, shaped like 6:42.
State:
10:27
